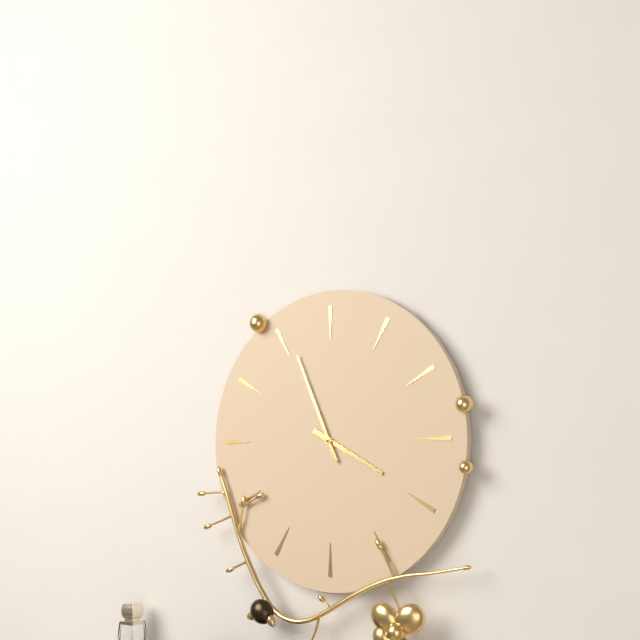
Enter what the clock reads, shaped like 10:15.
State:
3:56
